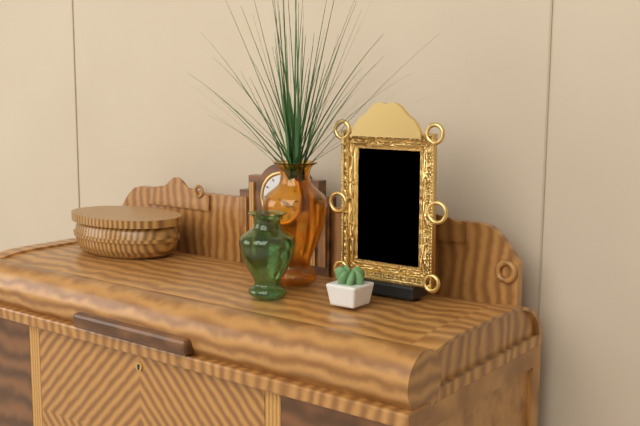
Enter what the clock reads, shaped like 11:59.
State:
4:19
